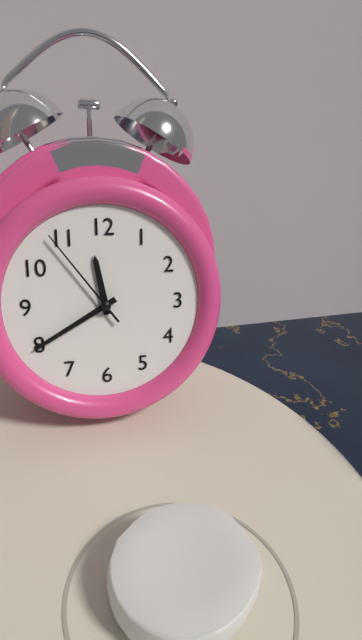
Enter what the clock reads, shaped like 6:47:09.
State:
11:40:54
